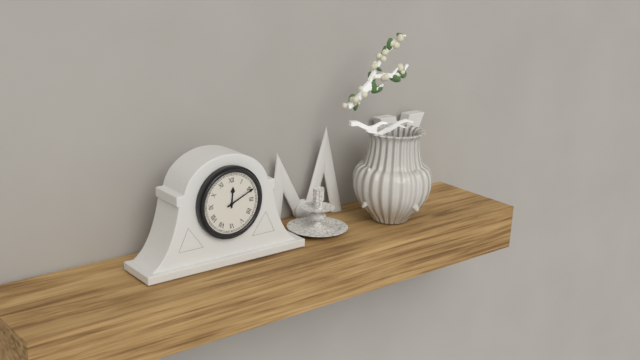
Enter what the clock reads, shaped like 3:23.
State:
12:11
